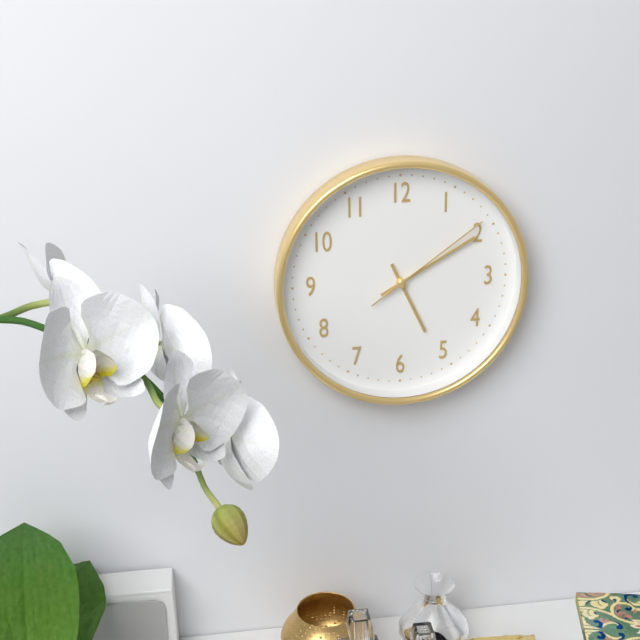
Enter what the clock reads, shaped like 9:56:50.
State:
5:10:09
